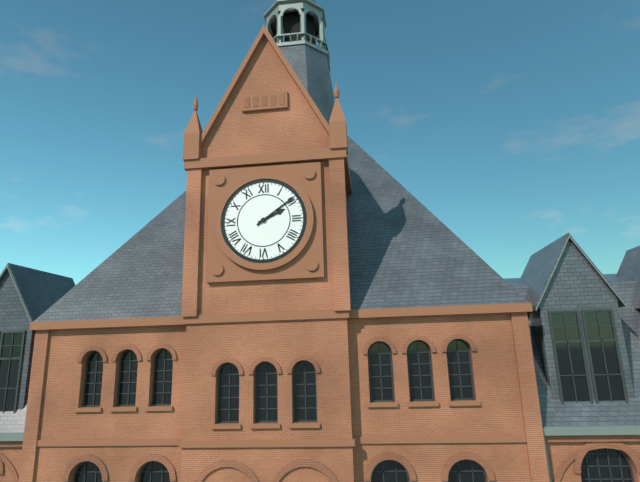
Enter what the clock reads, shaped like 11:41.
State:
2:09
